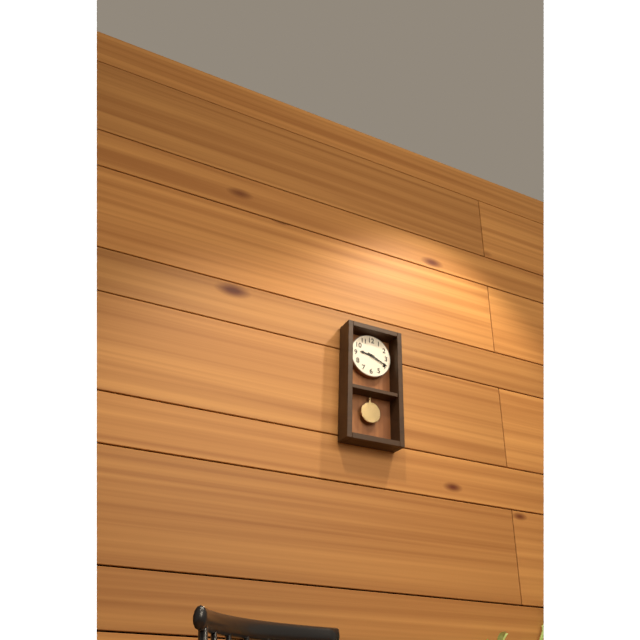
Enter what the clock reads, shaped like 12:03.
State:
9:19
